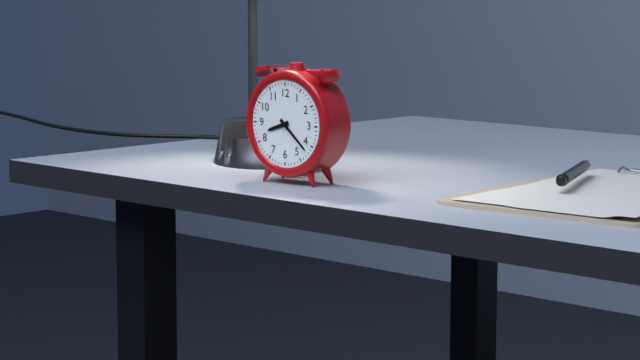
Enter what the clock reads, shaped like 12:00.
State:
8:22
